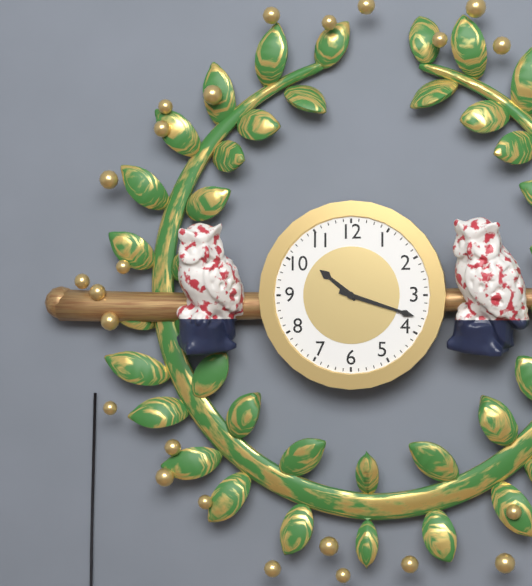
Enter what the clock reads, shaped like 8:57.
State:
10:18
